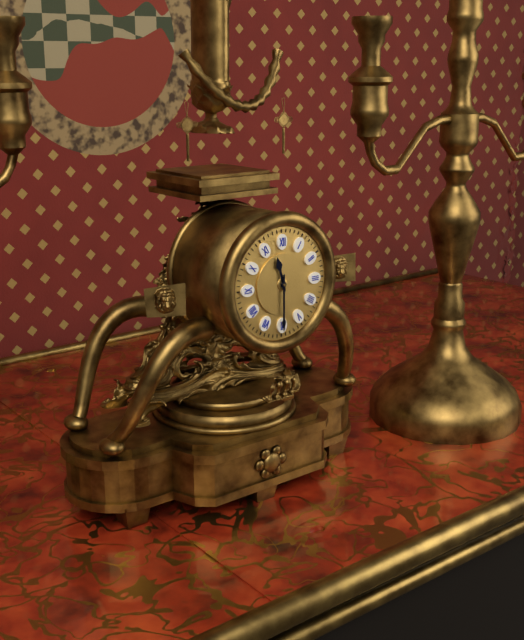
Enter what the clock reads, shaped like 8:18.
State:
11:30
